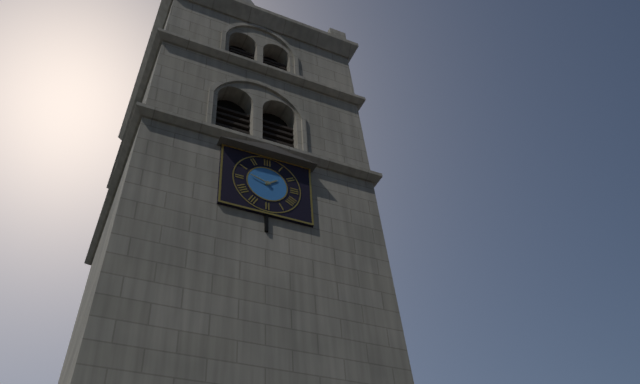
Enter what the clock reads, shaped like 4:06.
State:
1:48
